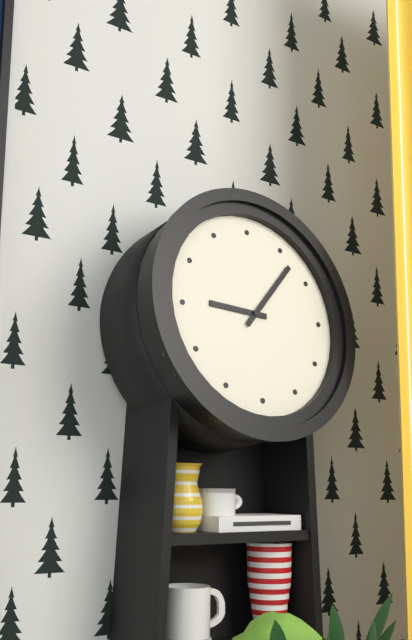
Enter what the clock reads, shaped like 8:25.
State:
9:07
